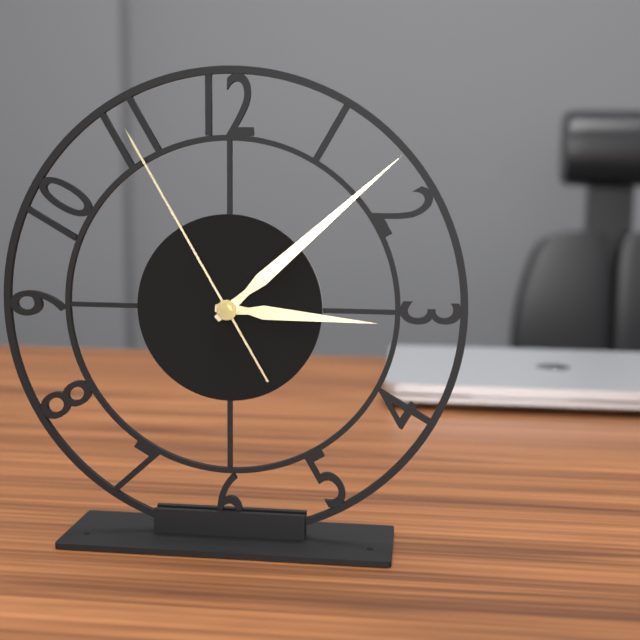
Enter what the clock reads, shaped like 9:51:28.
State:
3:08:55
